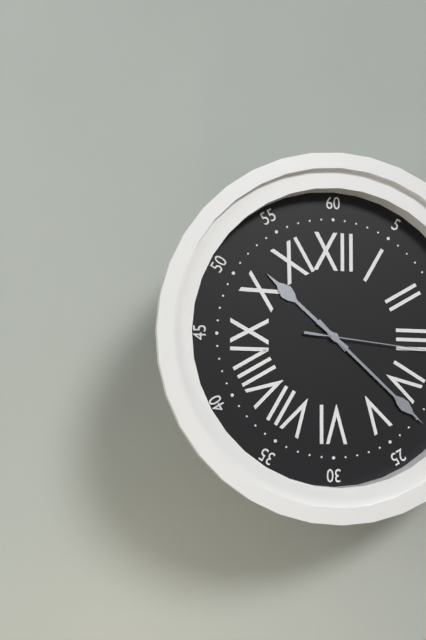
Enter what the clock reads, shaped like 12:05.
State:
10:22
